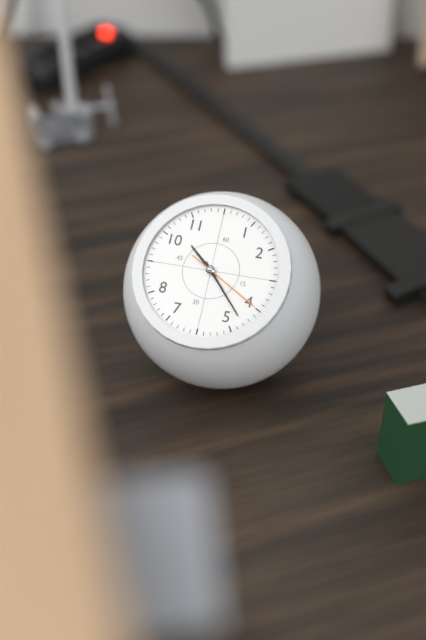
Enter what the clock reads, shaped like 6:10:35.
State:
10:23:20
